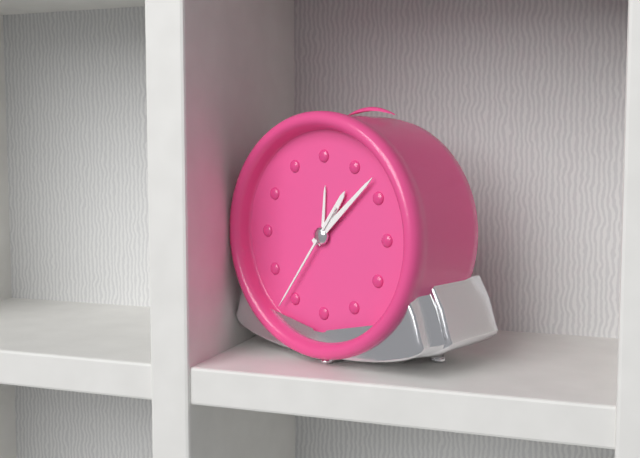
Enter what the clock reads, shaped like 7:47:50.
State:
1:08:36
